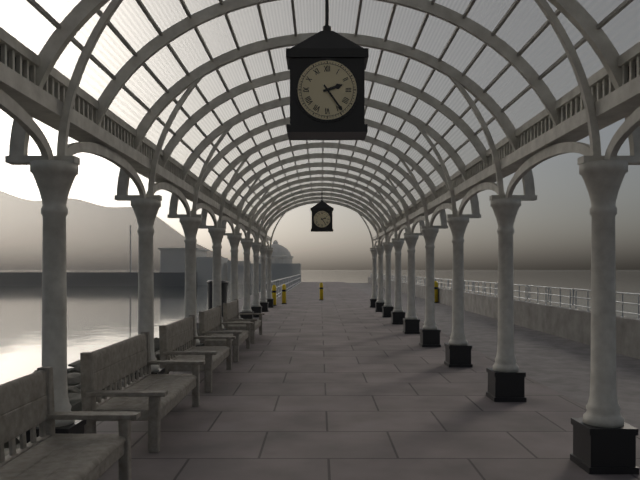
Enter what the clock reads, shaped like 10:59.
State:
2:24
